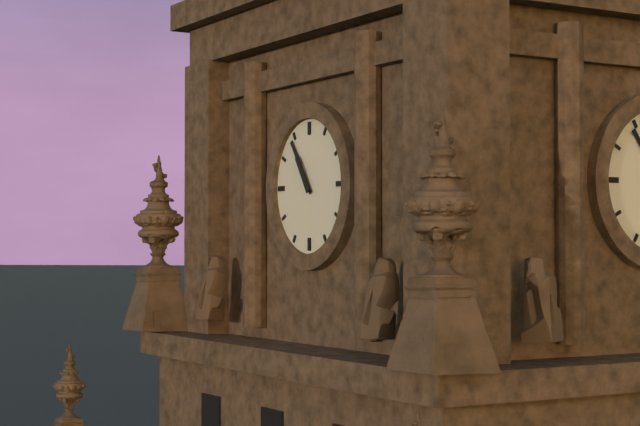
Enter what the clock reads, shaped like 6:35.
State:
10:54
